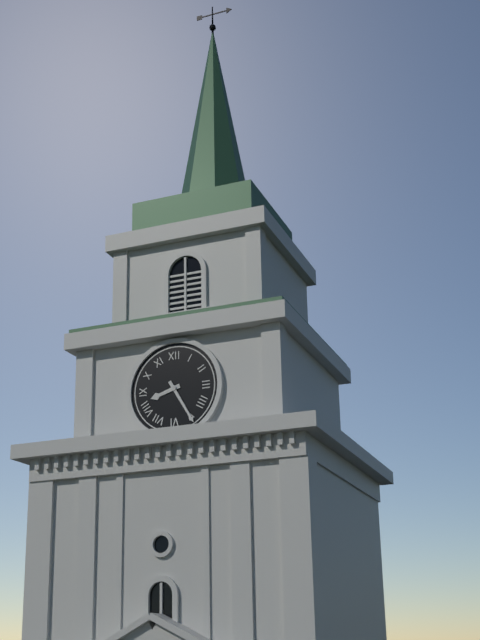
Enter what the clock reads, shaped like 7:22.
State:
8:25
